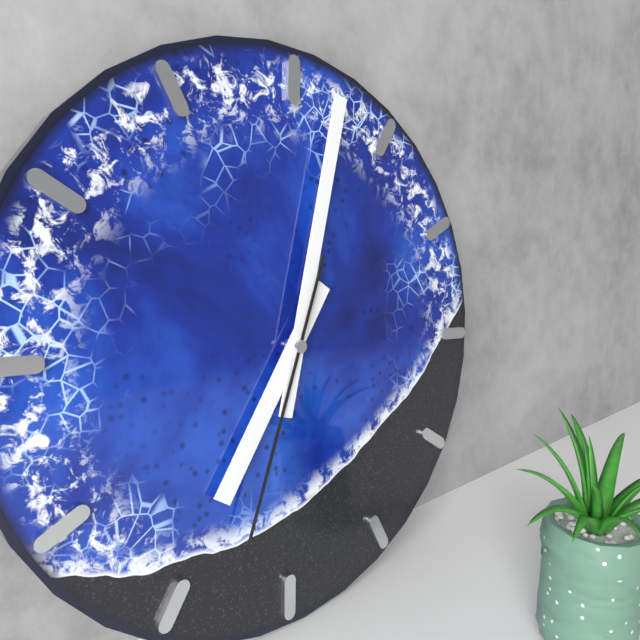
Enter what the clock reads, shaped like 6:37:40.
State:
7:02:33
